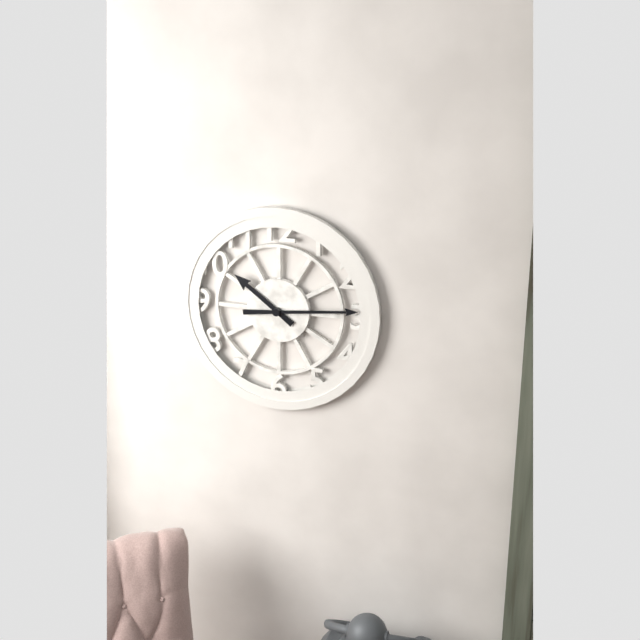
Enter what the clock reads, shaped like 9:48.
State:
10:14
